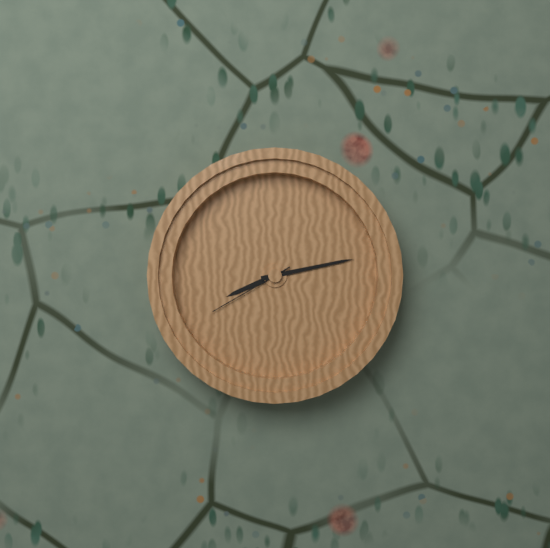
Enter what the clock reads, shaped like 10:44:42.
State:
8:13:40
